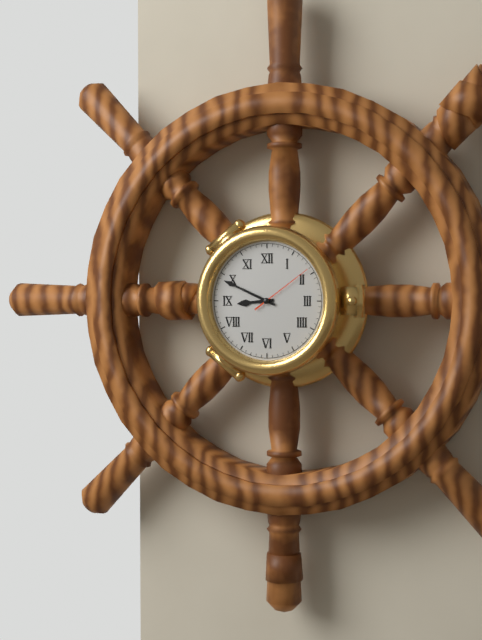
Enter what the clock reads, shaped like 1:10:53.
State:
8:49:09
